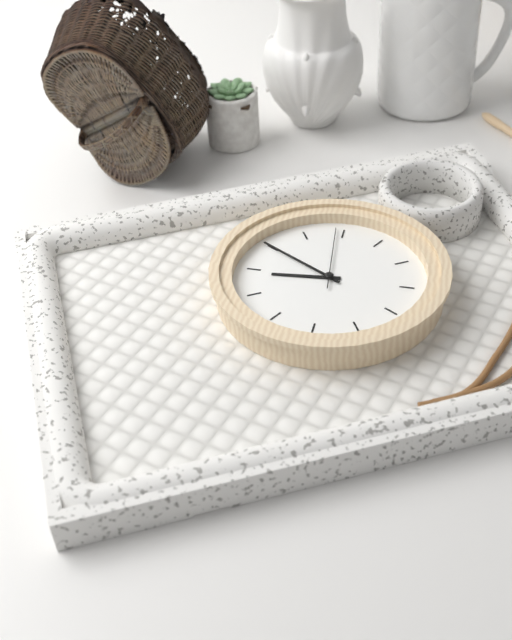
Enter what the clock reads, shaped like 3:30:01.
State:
8:50:59
